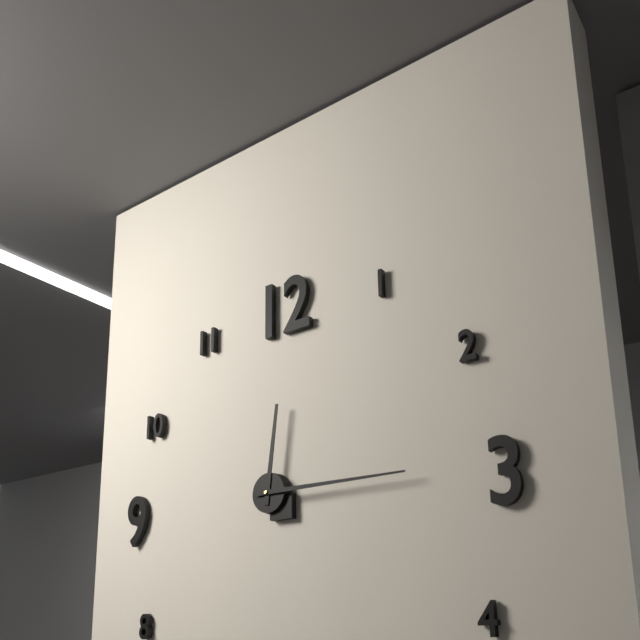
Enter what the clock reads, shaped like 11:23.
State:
12:15
